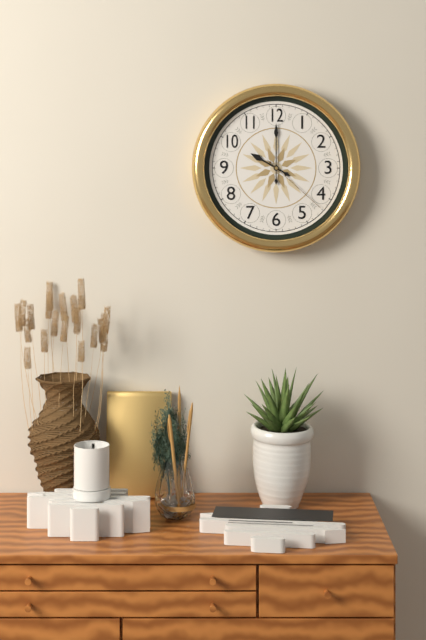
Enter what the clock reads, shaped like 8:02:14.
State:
10:00:22
